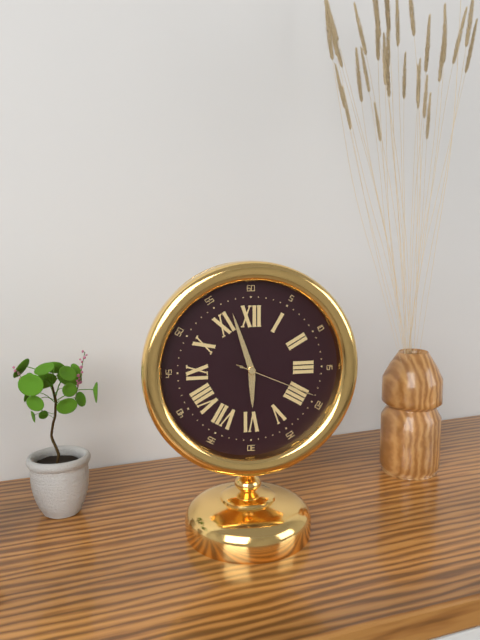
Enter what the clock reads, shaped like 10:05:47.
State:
5:57:19
